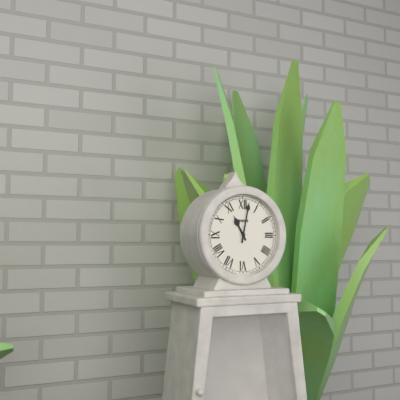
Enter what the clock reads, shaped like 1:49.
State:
11:02
